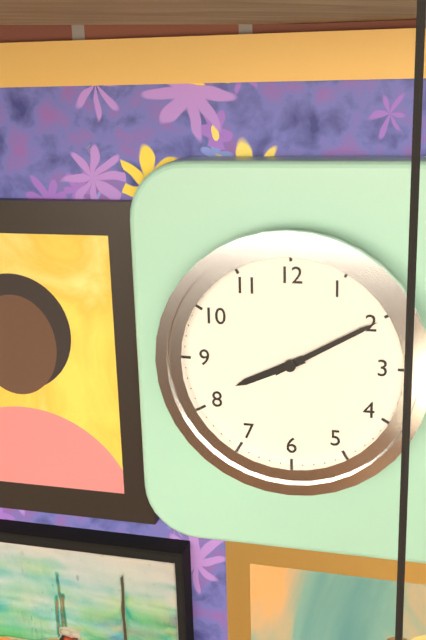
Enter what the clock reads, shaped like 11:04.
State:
8:10
